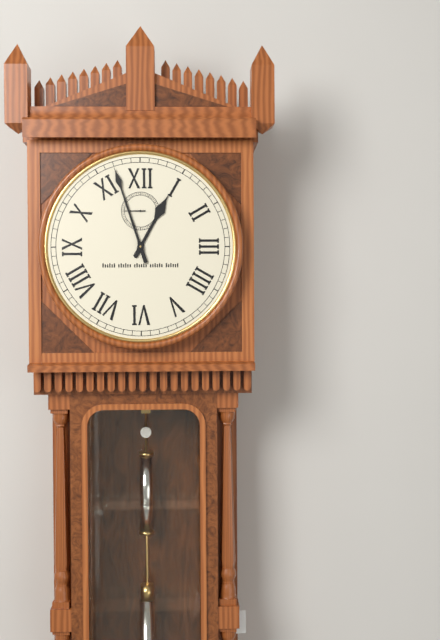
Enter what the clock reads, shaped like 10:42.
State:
12:57
